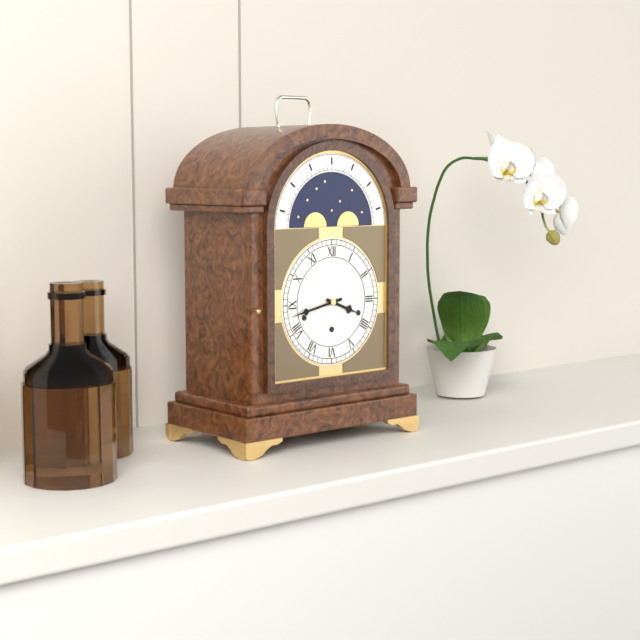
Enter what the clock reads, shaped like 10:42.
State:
3:43
